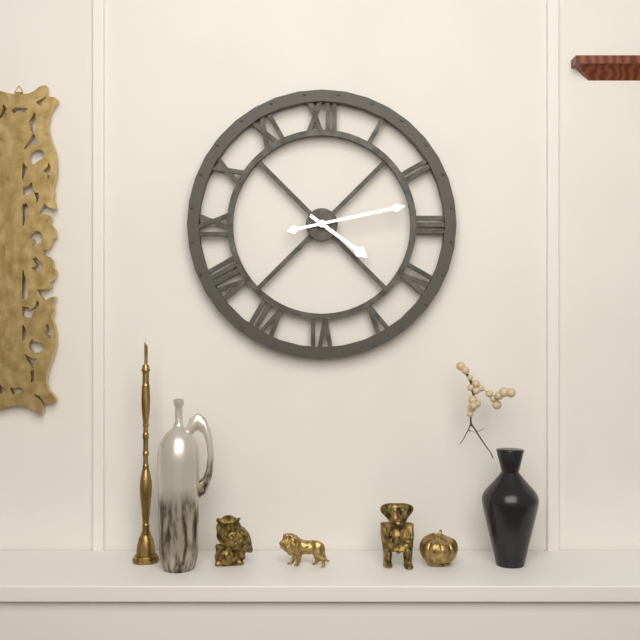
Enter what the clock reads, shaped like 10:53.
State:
4:13
